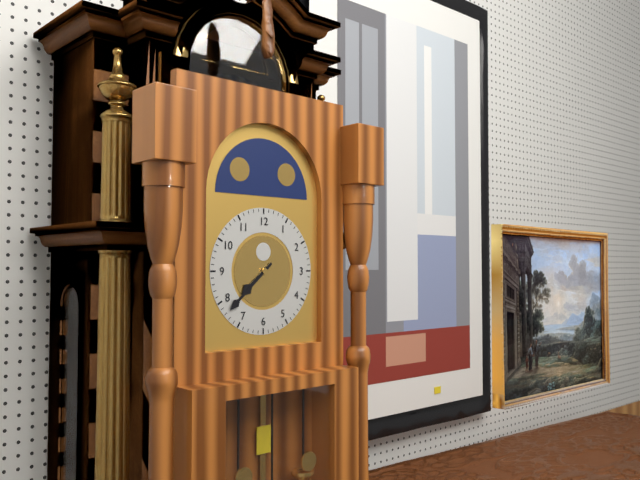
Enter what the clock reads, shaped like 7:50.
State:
7:38
